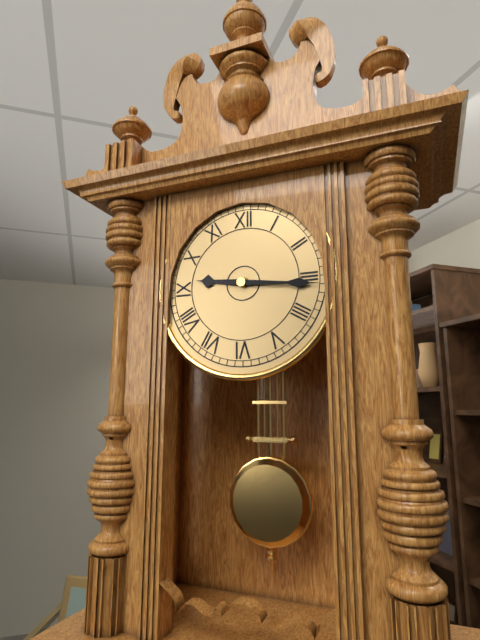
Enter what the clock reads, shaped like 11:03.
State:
9:16
